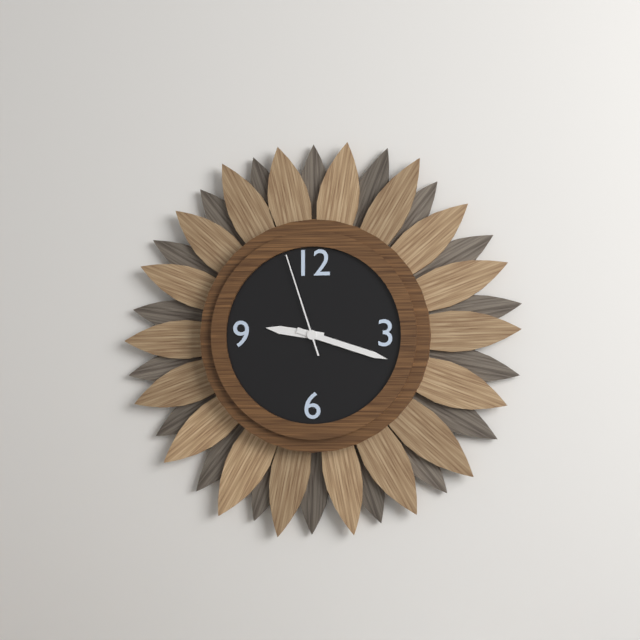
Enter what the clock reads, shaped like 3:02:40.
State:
9:18:57
